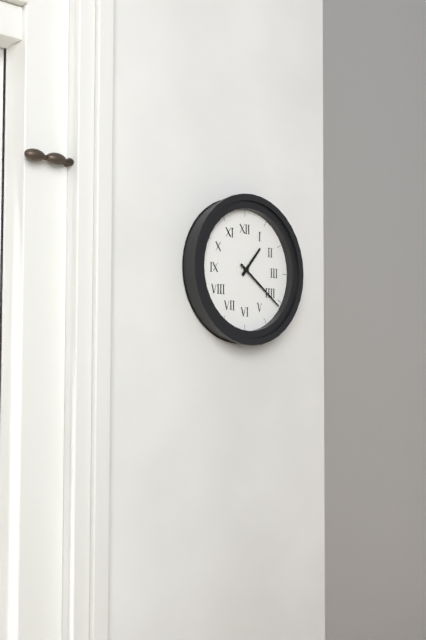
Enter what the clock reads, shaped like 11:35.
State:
1:21
